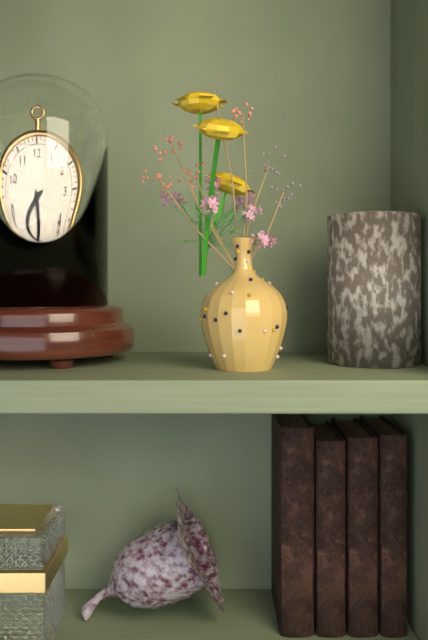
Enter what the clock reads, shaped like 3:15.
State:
5:40
